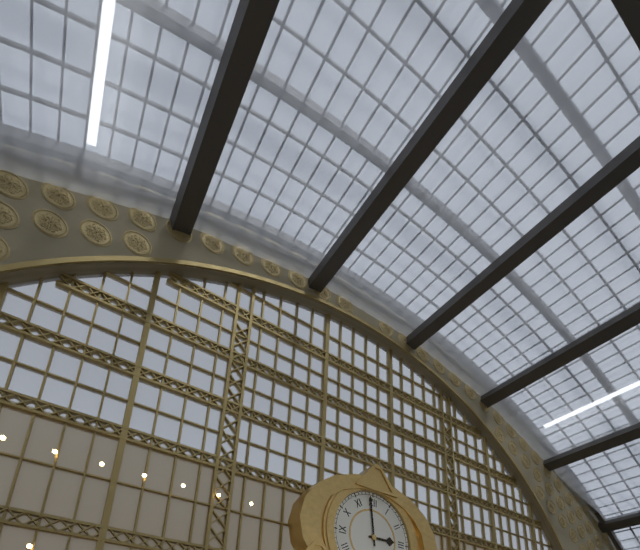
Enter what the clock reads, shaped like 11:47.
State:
2:59
